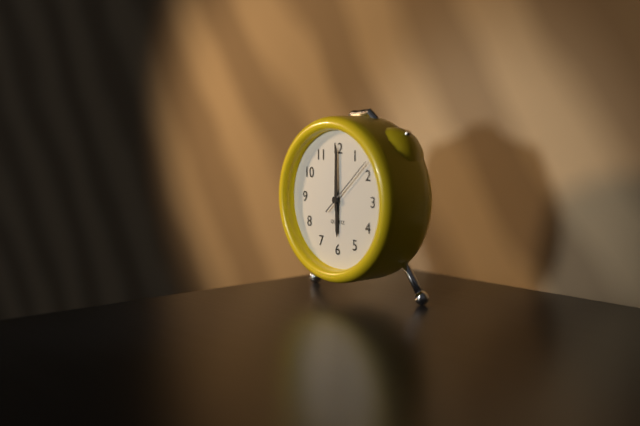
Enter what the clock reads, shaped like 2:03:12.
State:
6:00:08
